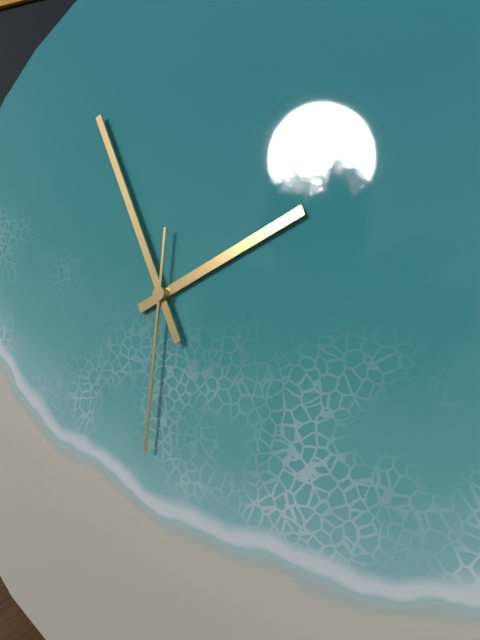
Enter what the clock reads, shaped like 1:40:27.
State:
1:54:29
